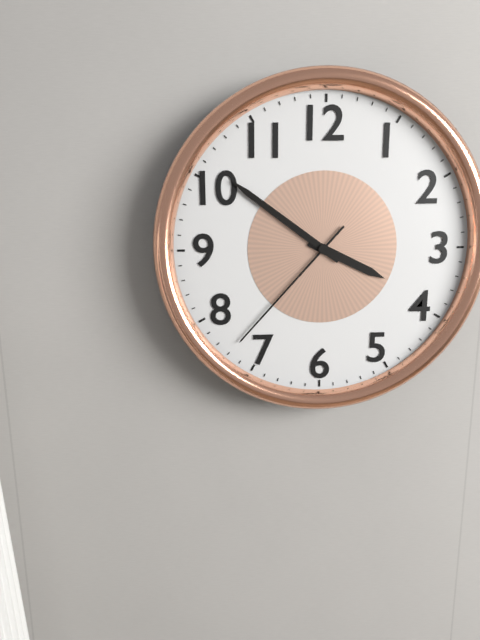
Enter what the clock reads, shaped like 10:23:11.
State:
3:51:37
